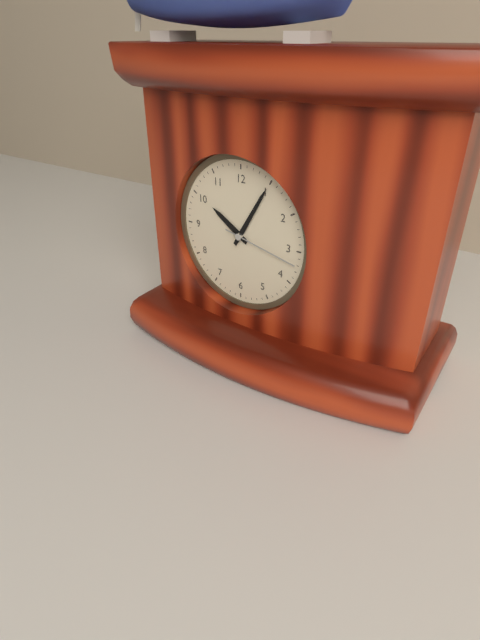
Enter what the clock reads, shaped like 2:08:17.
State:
10:05:17
